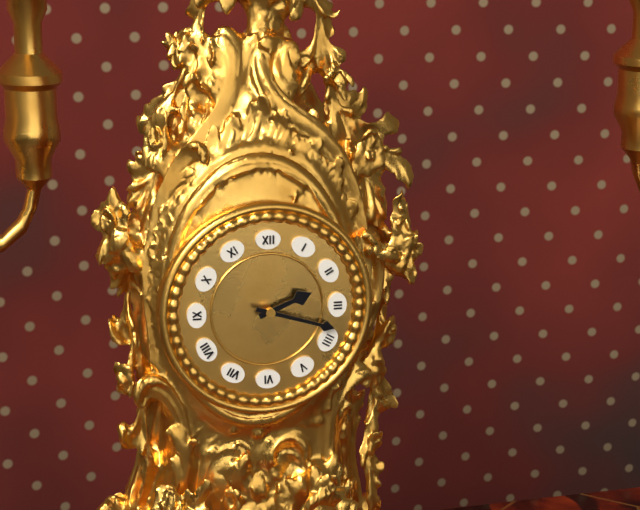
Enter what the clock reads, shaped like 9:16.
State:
2:18
